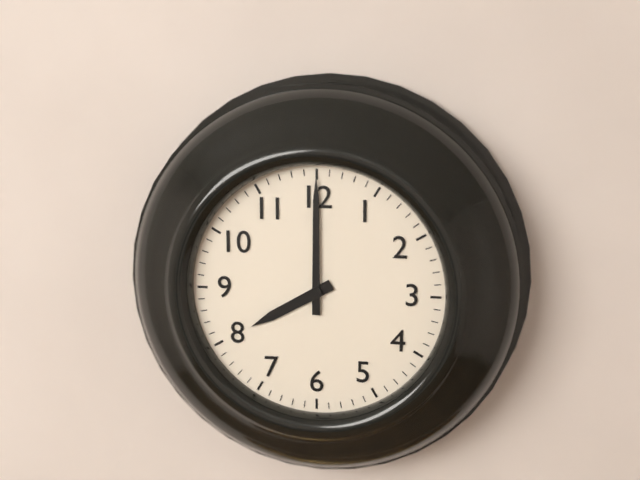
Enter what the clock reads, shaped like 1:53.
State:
8:00
